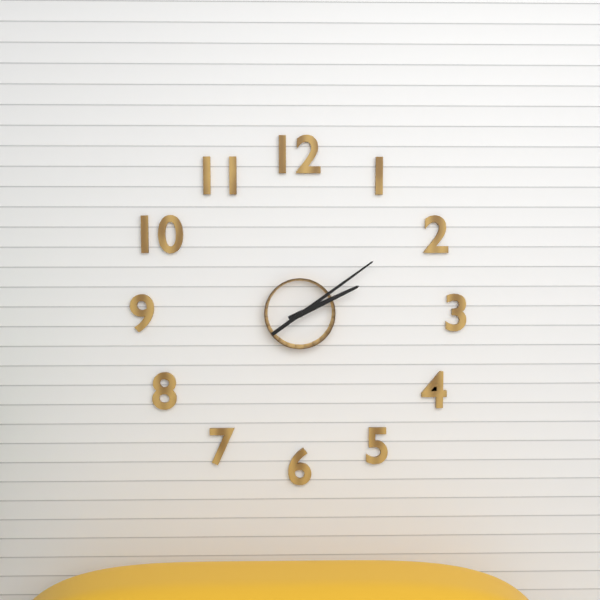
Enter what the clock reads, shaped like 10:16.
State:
2:09
